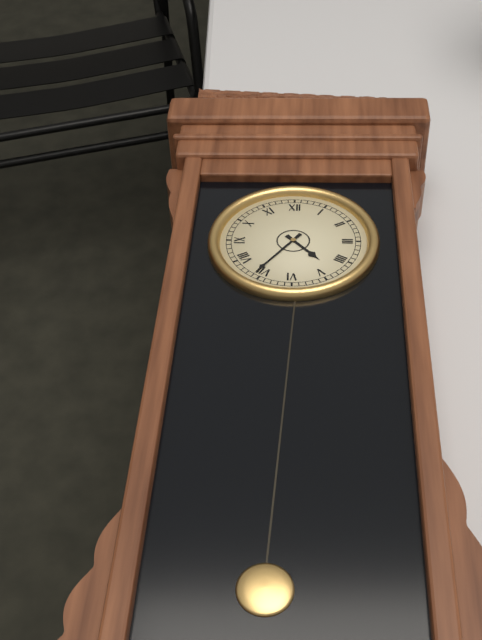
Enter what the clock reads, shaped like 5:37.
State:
4:36
